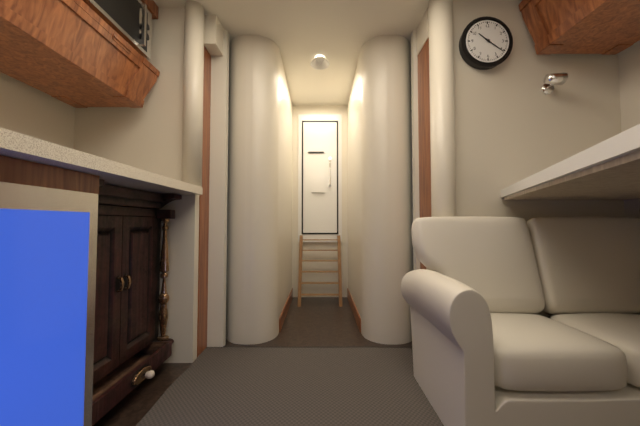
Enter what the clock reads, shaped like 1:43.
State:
10:21
